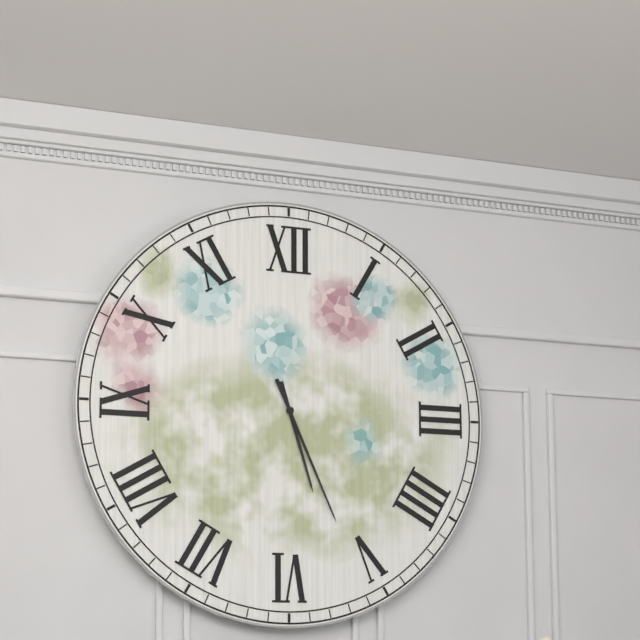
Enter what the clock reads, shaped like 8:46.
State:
5:26
